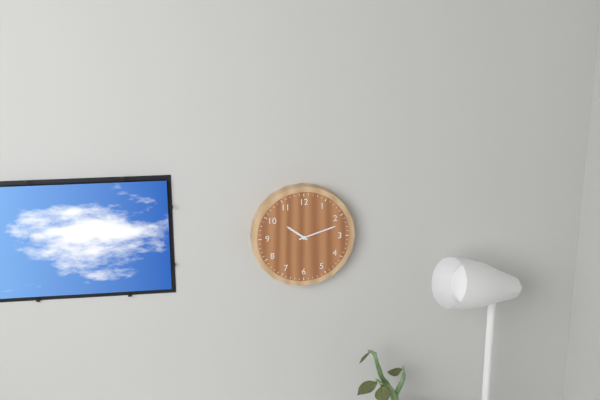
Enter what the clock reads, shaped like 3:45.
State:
10:12
